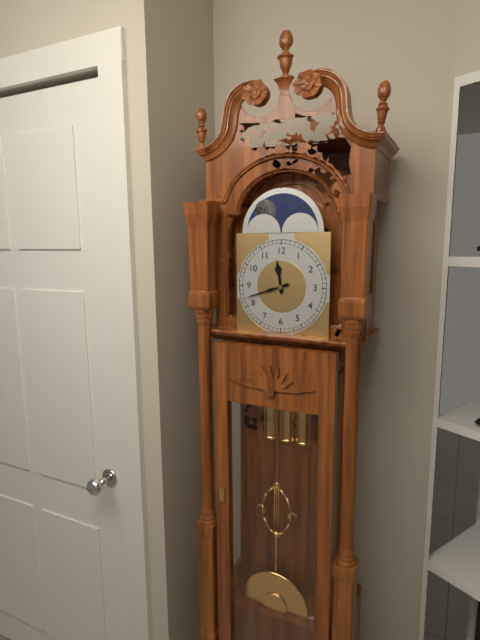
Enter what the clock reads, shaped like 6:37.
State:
11:42
